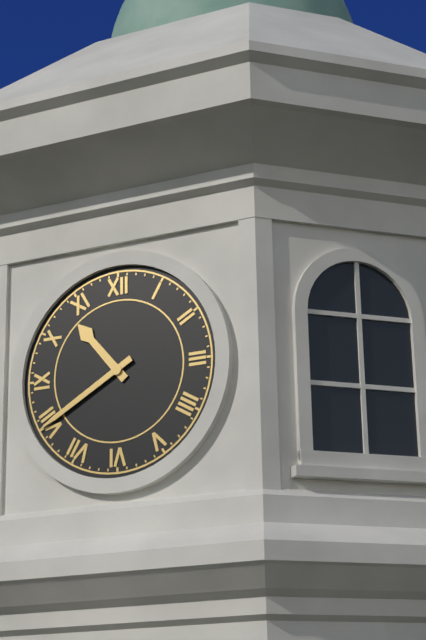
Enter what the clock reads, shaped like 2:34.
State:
10:40
